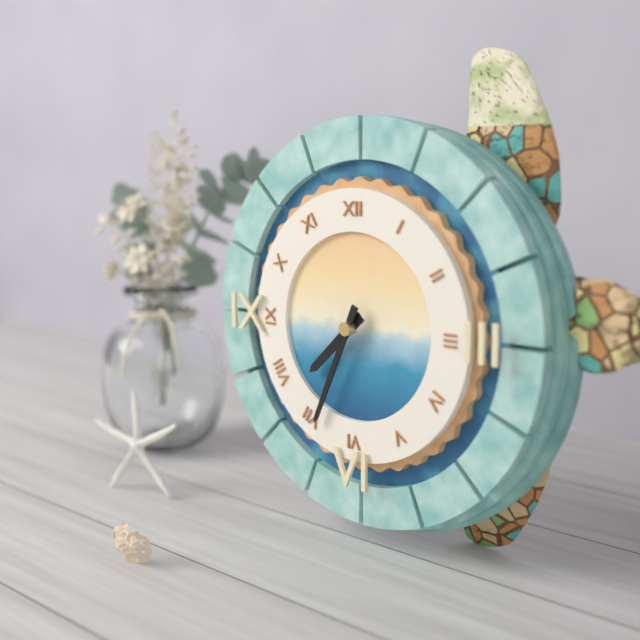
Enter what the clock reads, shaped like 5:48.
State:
7:34
